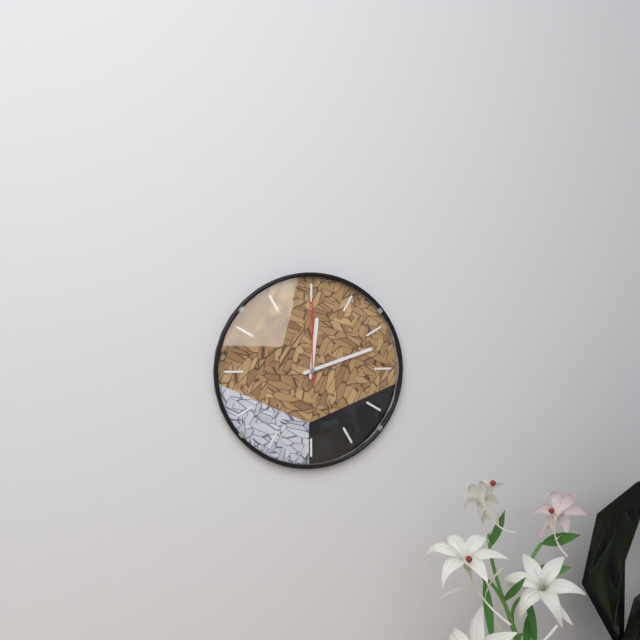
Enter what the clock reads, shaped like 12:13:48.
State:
12:12:00
